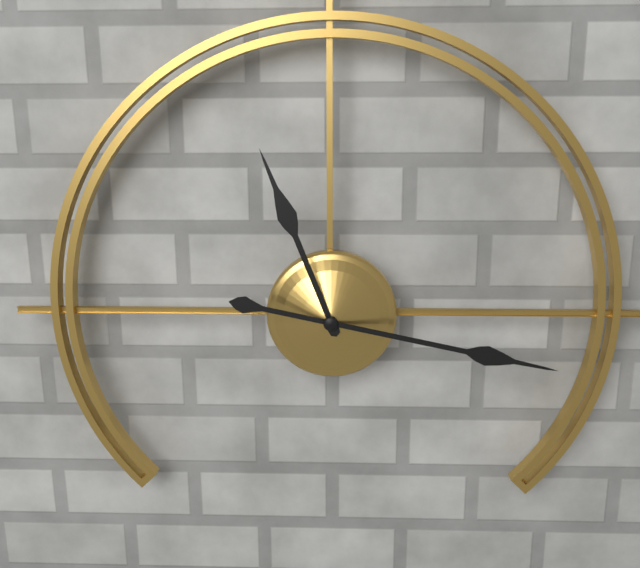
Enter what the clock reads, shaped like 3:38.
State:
11:17
